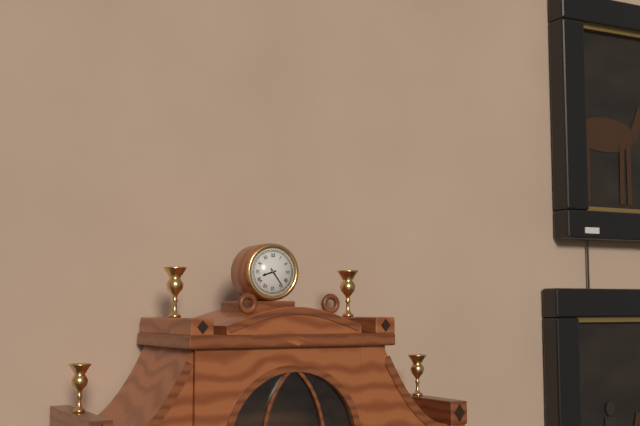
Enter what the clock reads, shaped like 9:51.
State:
8:24
